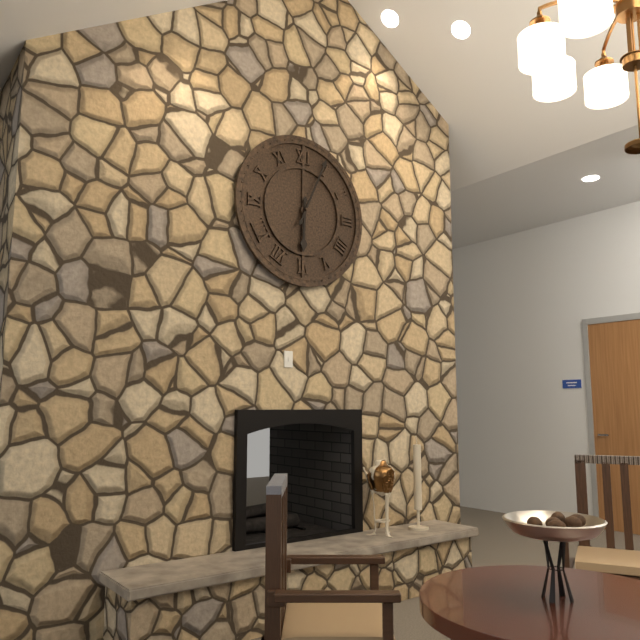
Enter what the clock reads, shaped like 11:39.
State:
6:04
